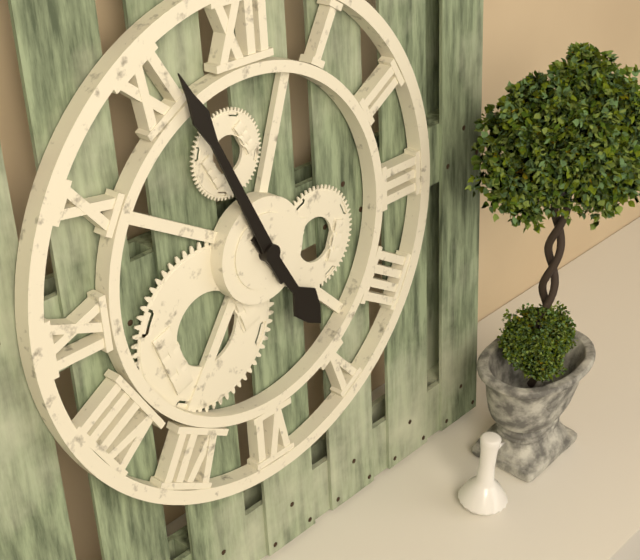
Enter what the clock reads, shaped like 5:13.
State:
4:56
